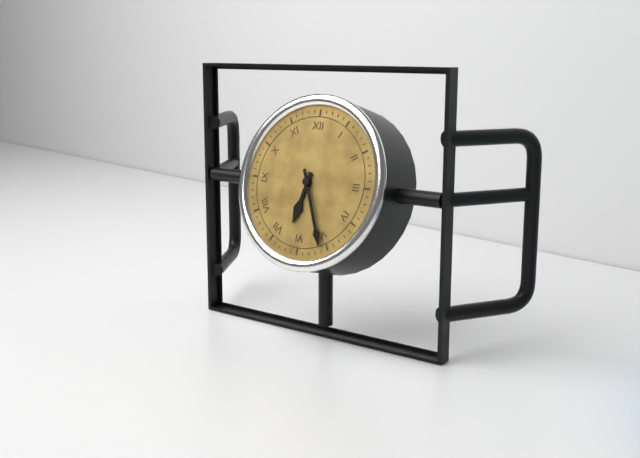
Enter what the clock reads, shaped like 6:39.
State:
6:26
